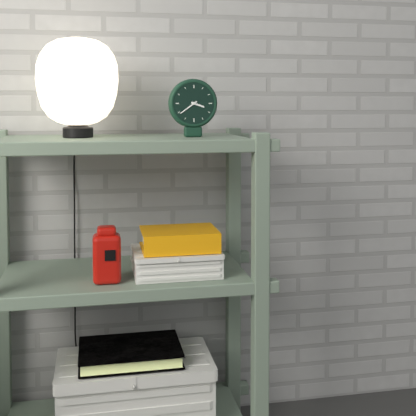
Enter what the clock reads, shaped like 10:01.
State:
3:39
